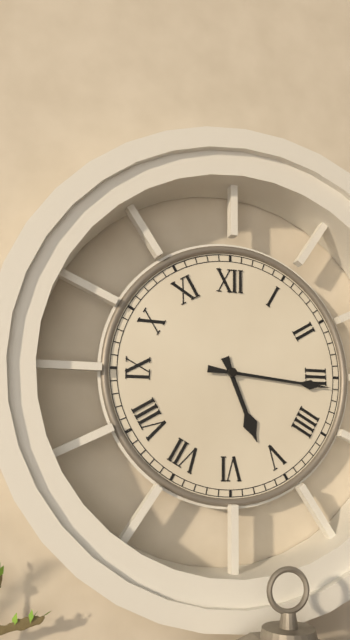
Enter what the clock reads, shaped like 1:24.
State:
5:16
